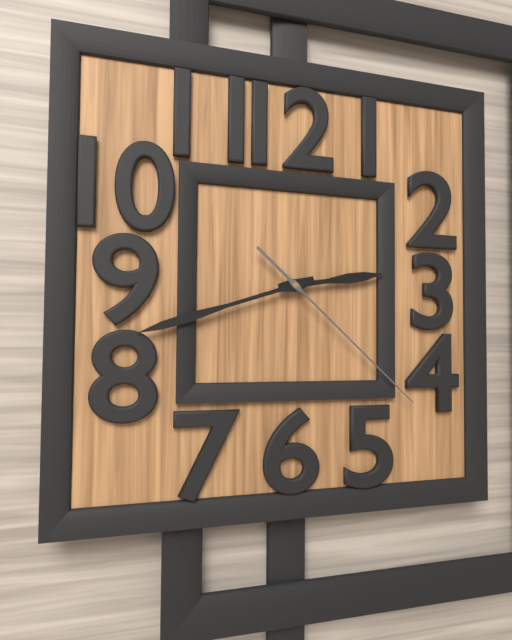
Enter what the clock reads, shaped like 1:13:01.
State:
2:42:22
